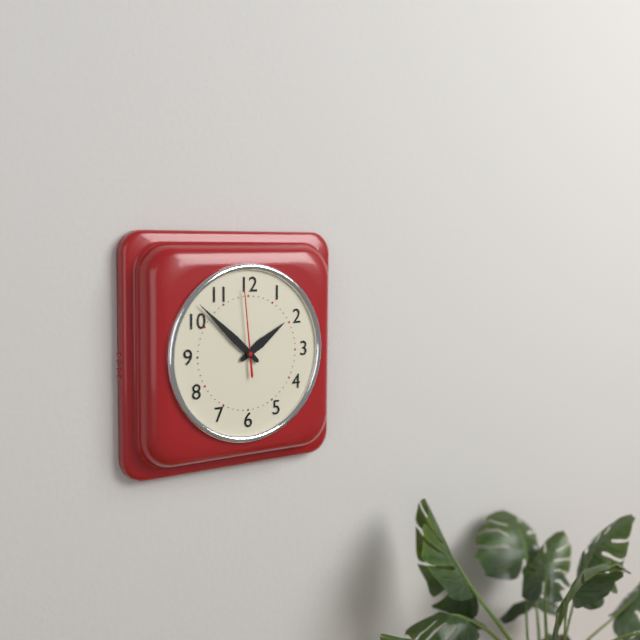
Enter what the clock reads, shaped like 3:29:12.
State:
1:52:59
